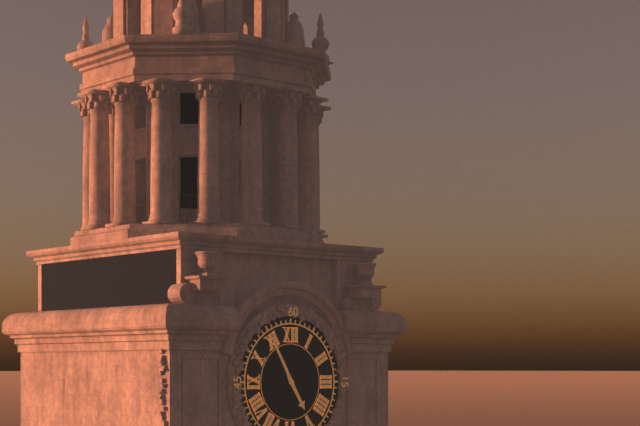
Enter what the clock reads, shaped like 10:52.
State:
4:55
